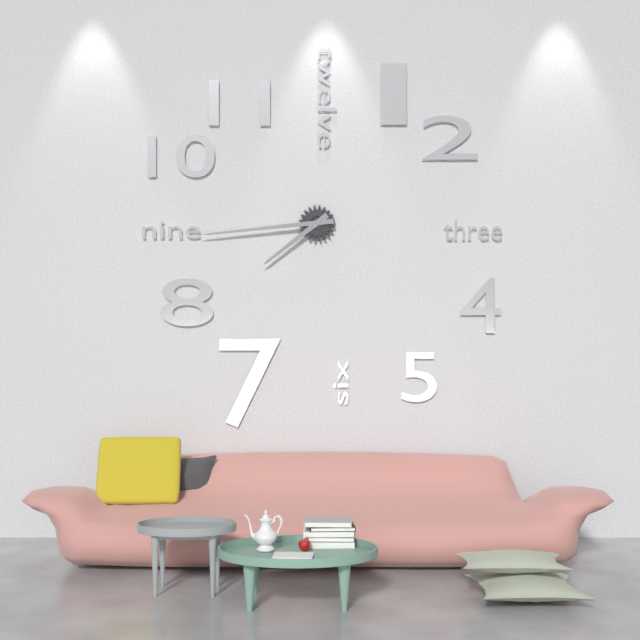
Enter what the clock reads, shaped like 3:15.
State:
7:44
